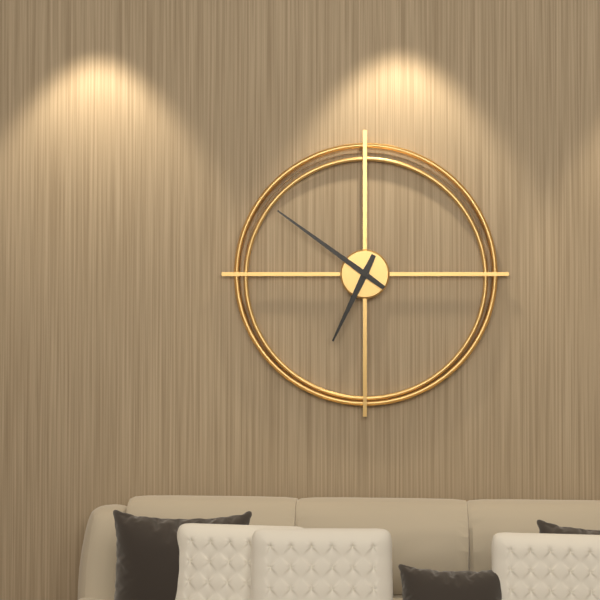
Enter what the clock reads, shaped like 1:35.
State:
6:51
